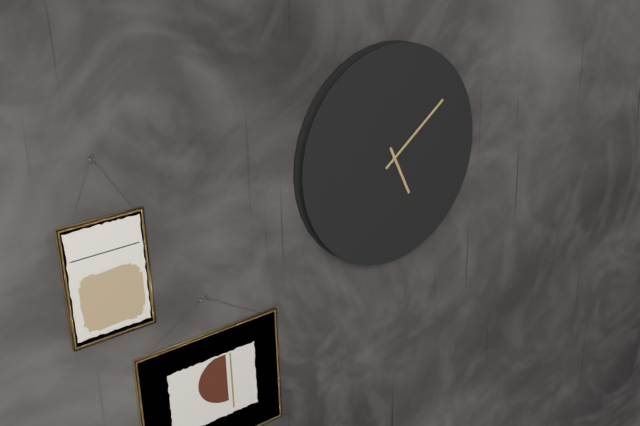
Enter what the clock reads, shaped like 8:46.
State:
5:09
